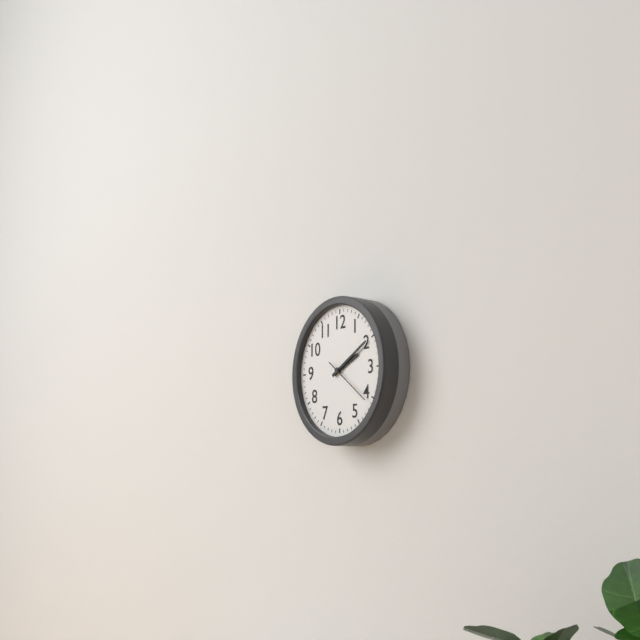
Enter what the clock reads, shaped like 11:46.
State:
2:10
